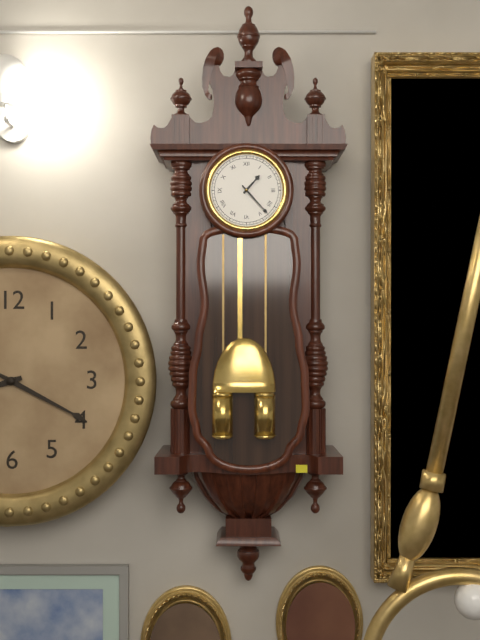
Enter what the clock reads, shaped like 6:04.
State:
1:23
